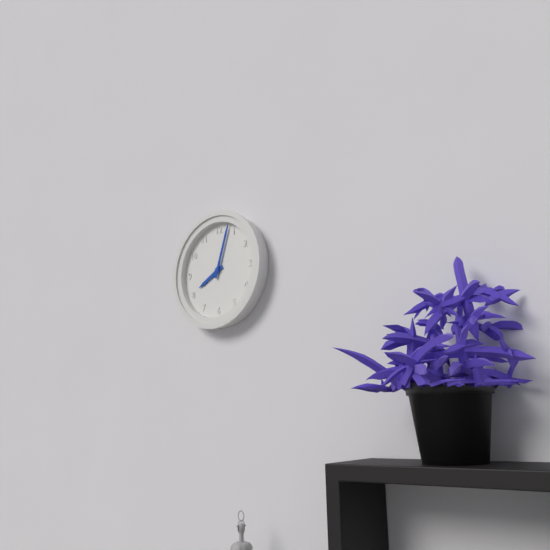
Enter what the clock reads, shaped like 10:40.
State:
8:03
